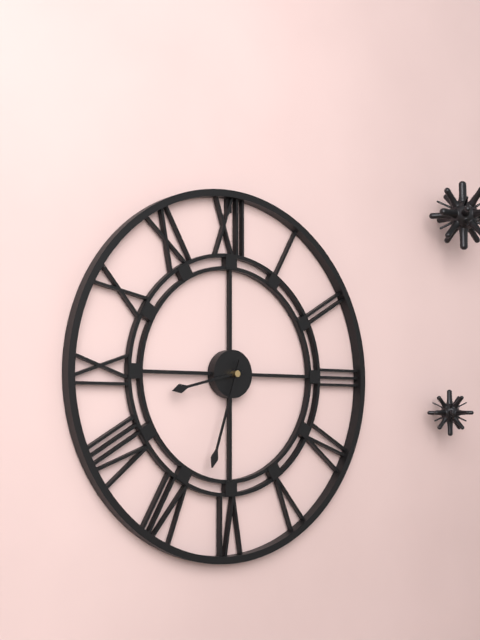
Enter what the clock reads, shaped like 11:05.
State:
8:33
